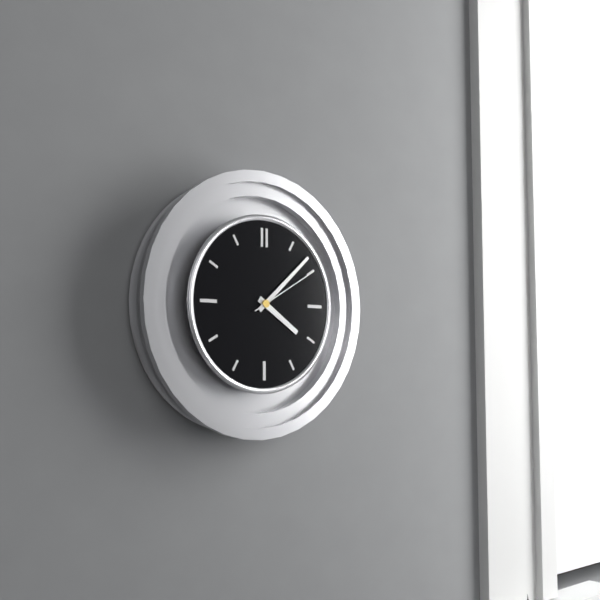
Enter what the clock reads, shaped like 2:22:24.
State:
4:08:10
